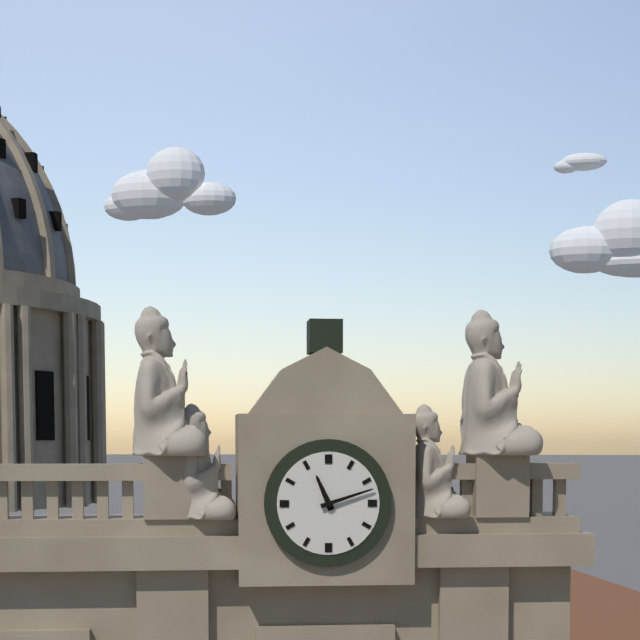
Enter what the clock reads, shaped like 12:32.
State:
11:12
